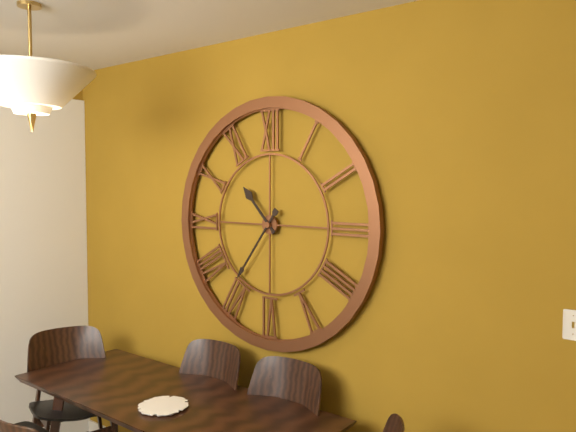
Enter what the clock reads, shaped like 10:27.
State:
10:36
